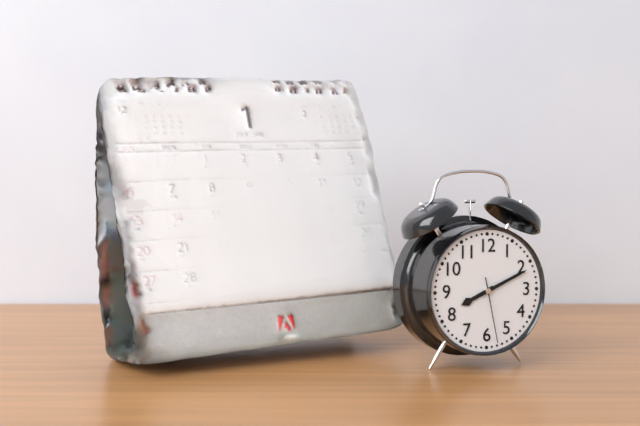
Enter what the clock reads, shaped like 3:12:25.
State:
8:11:28
